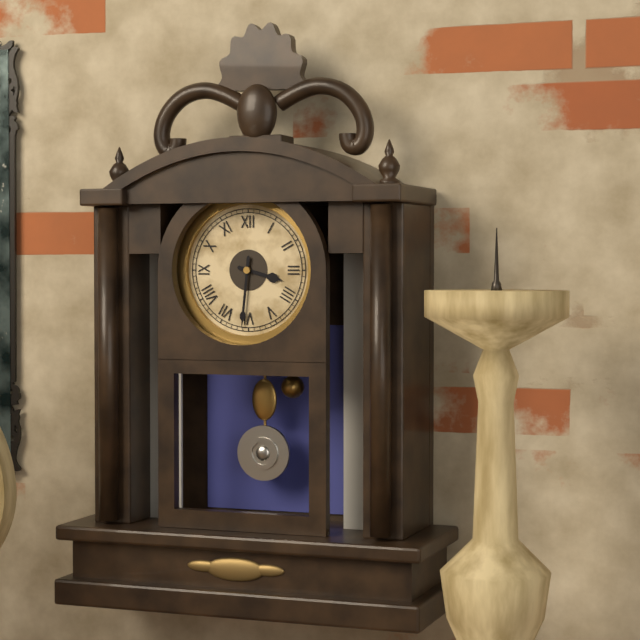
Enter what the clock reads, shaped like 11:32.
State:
3:31
